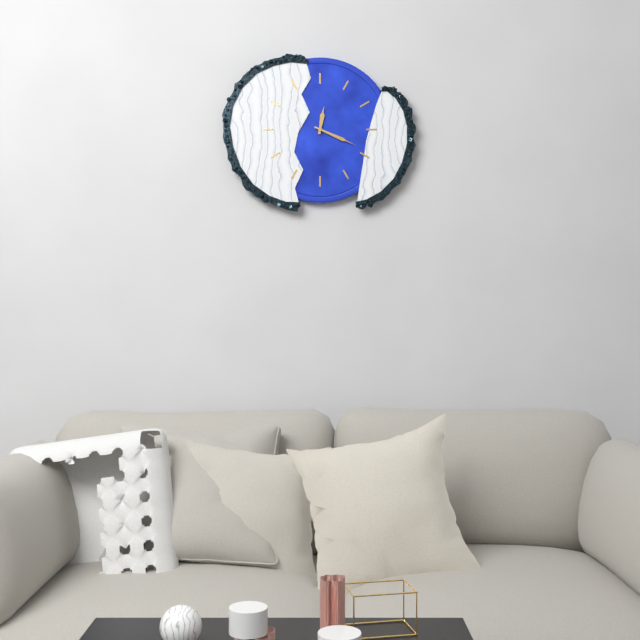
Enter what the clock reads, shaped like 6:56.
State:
12:19
